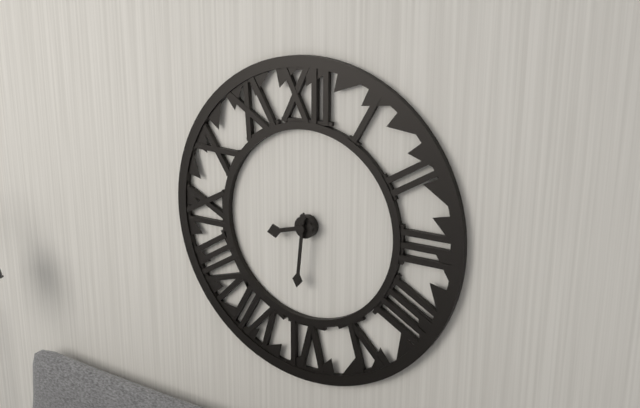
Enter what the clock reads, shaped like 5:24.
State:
8:31
